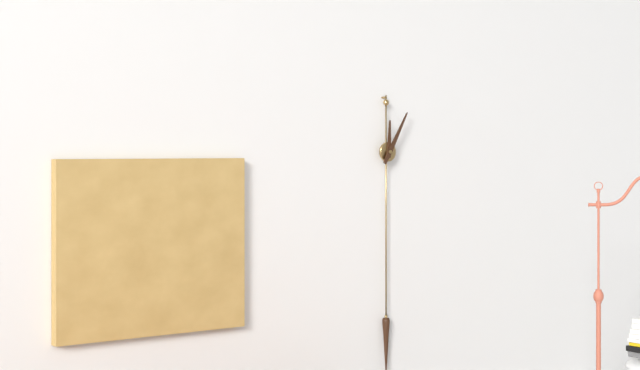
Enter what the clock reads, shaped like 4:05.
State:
12:05
